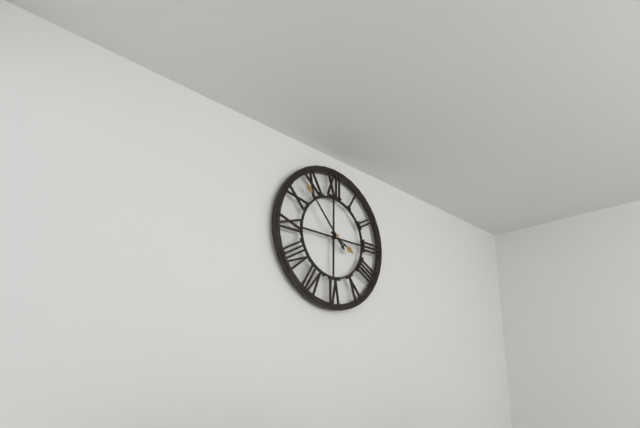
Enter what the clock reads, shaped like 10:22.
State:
3:53
